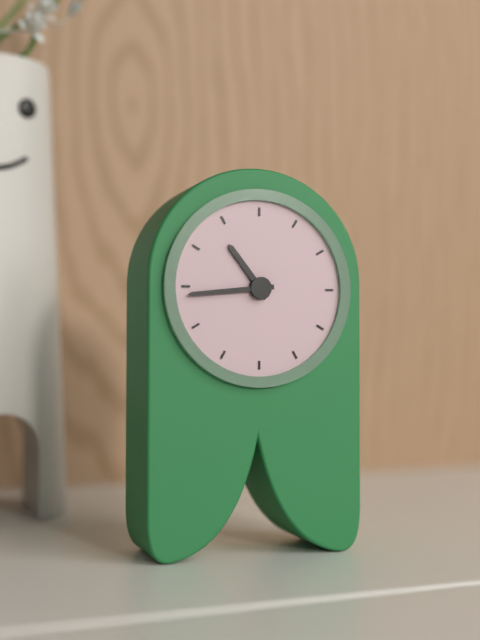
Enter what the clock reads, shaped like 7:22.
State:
10:44
